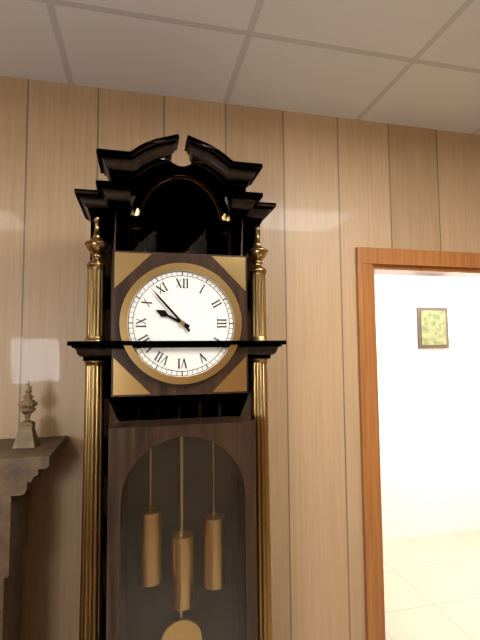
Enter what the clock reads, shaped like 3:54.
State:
9:53
